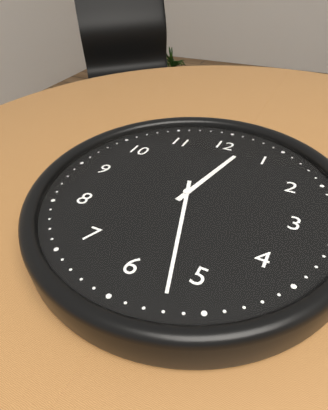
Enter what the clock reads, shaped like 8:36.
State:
12:27
